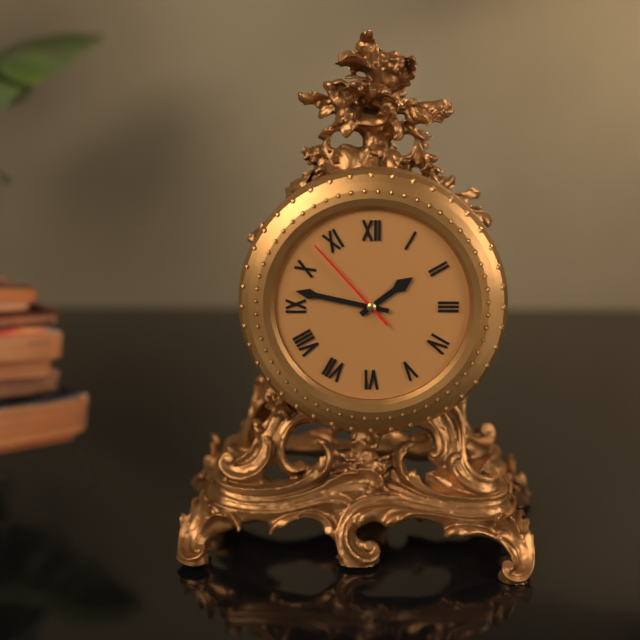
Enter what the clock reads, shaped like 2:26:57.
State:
1:47:53
